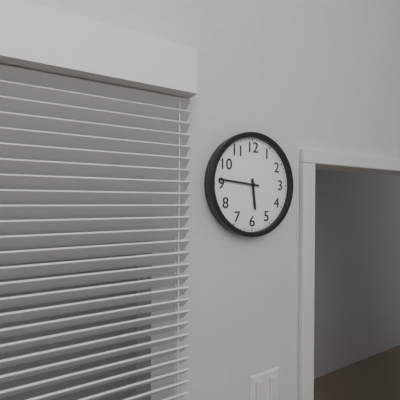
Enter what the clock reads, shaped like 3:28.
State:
5:46
